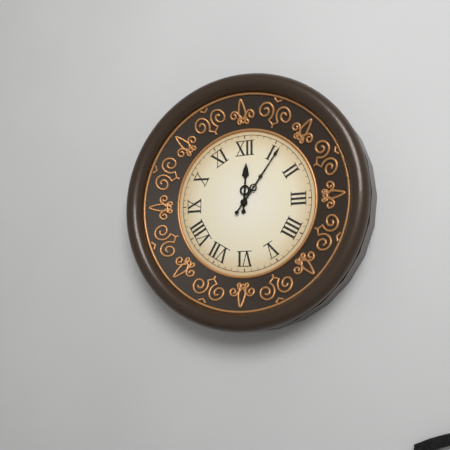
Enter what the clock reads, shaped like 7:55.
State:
12:06
